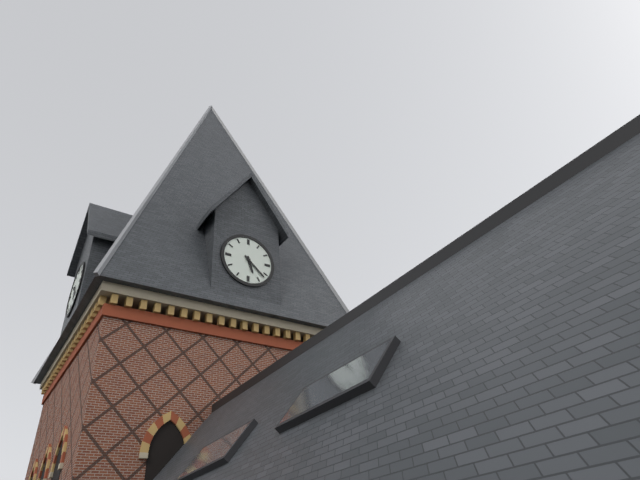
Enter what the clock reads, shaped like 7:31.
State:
5:22
